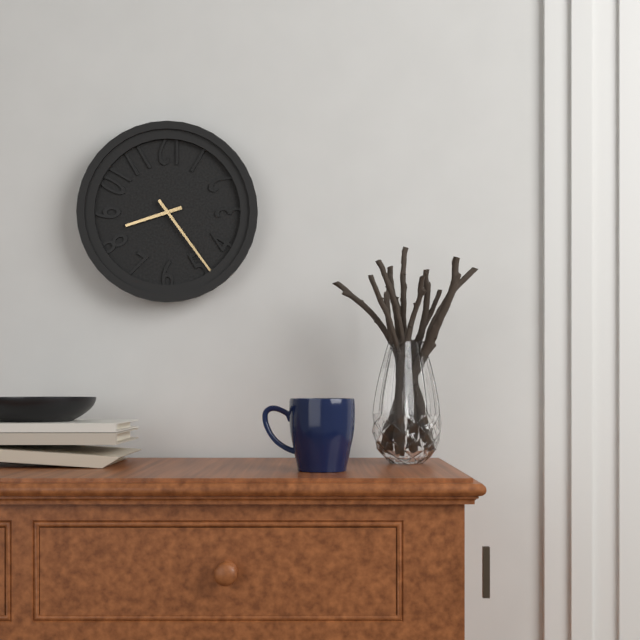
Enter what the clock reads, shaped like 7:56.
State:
8:24
